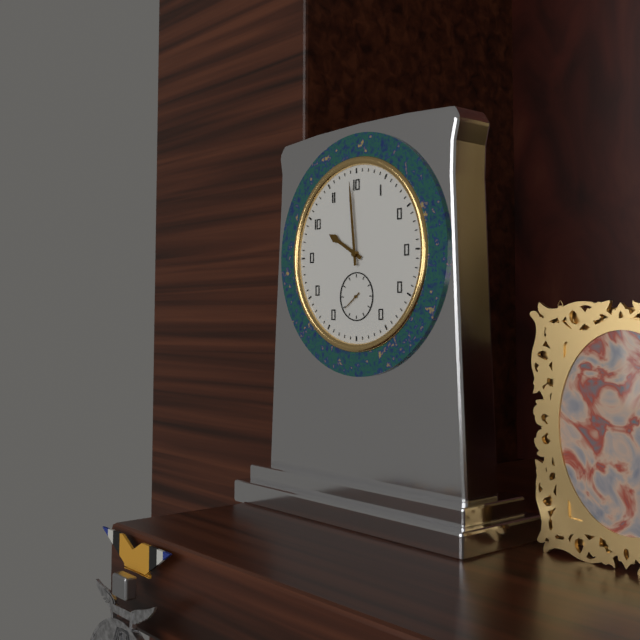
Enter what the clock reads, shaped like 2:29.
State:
9:59
